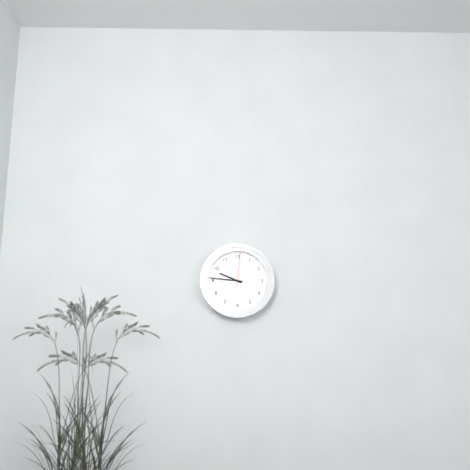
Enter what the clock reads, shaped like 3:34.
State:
9:46
